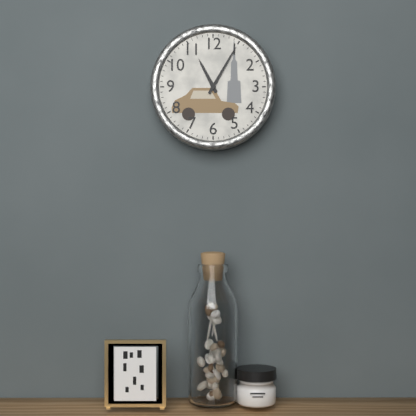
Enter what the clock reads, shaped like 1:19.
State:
11:05
